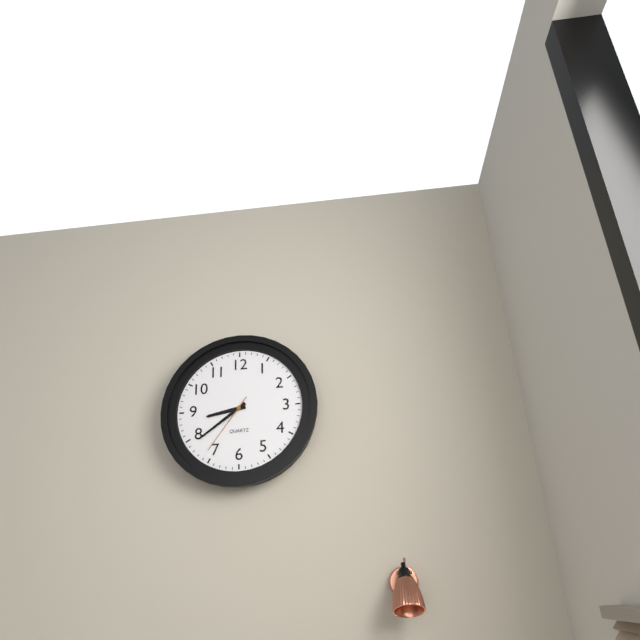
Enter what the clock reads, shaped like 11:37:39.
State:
8:39:36
